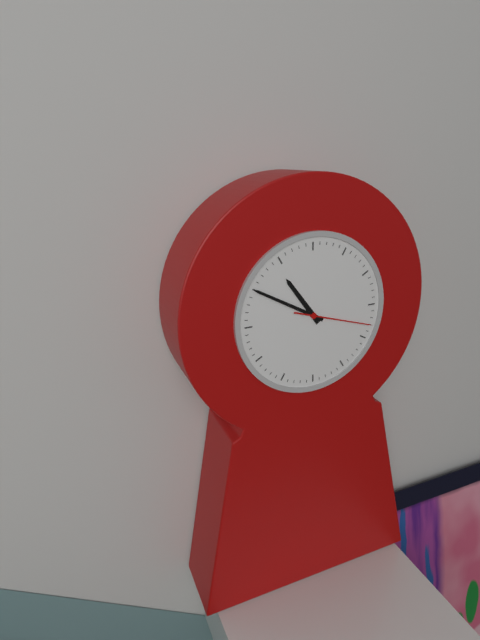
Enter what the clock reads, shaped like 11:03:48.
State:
10:50:18
